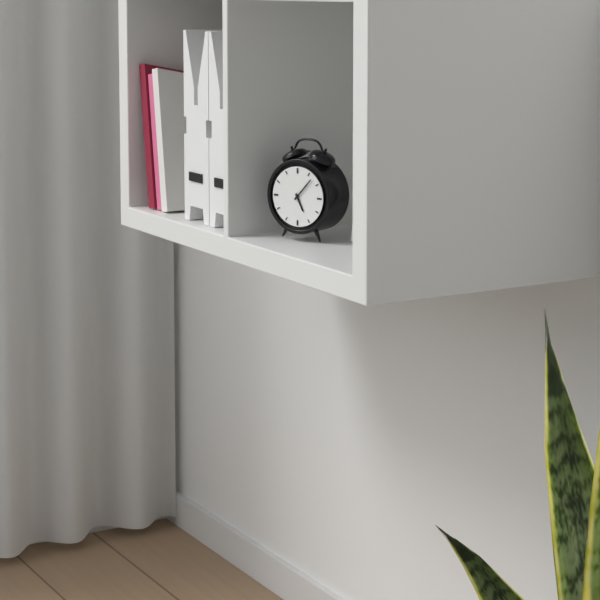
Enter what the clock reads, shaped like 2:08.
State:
5:07
